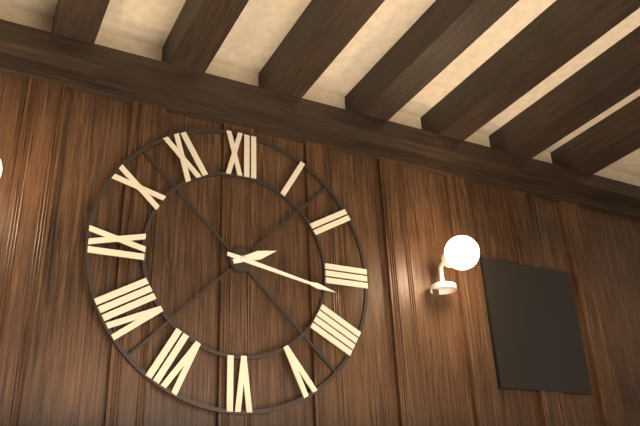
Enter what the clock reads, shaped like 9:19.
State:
2:17
